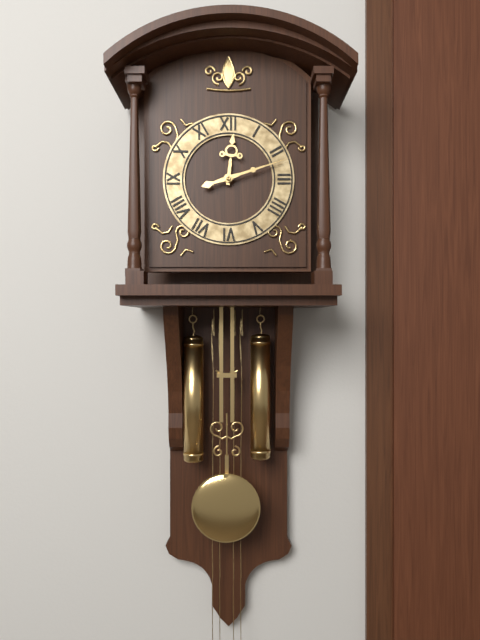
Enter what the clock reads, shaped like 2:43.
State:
12:12
